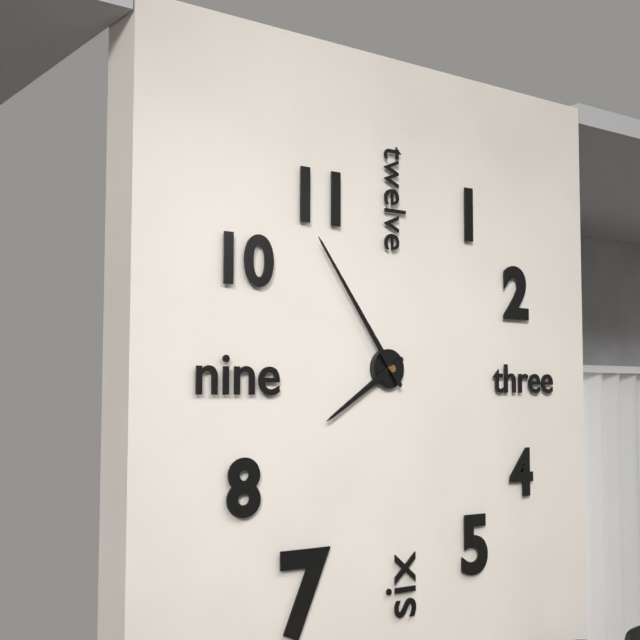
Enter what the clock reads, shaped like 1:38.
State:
7:54
